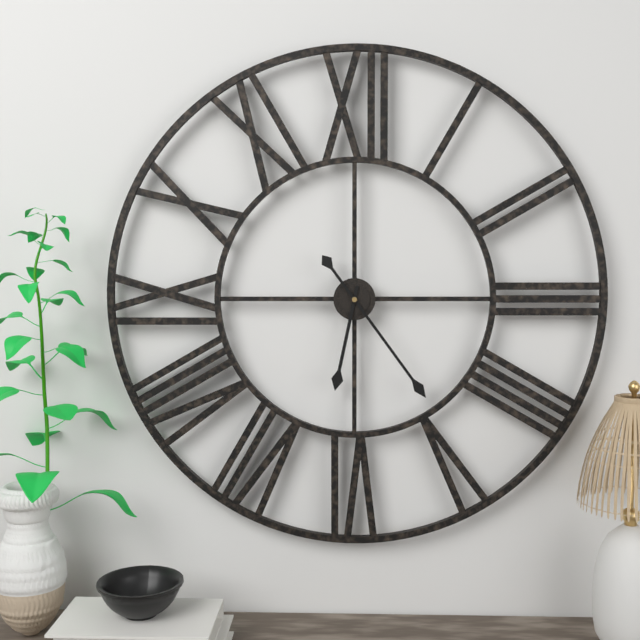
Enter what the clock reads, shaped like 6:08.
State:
6:24
